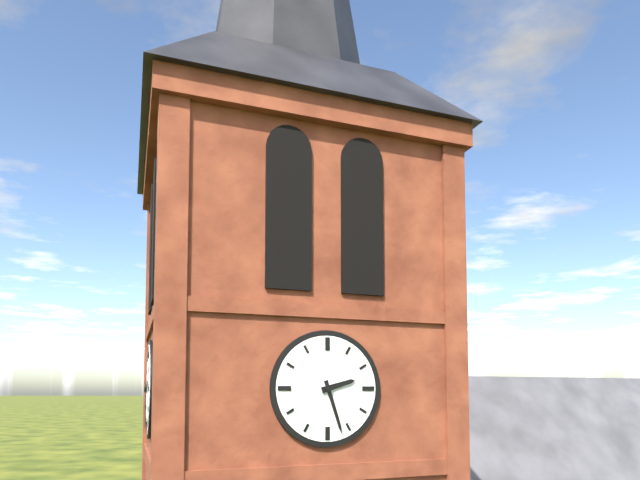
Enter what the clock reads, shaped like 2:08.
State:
2:27
